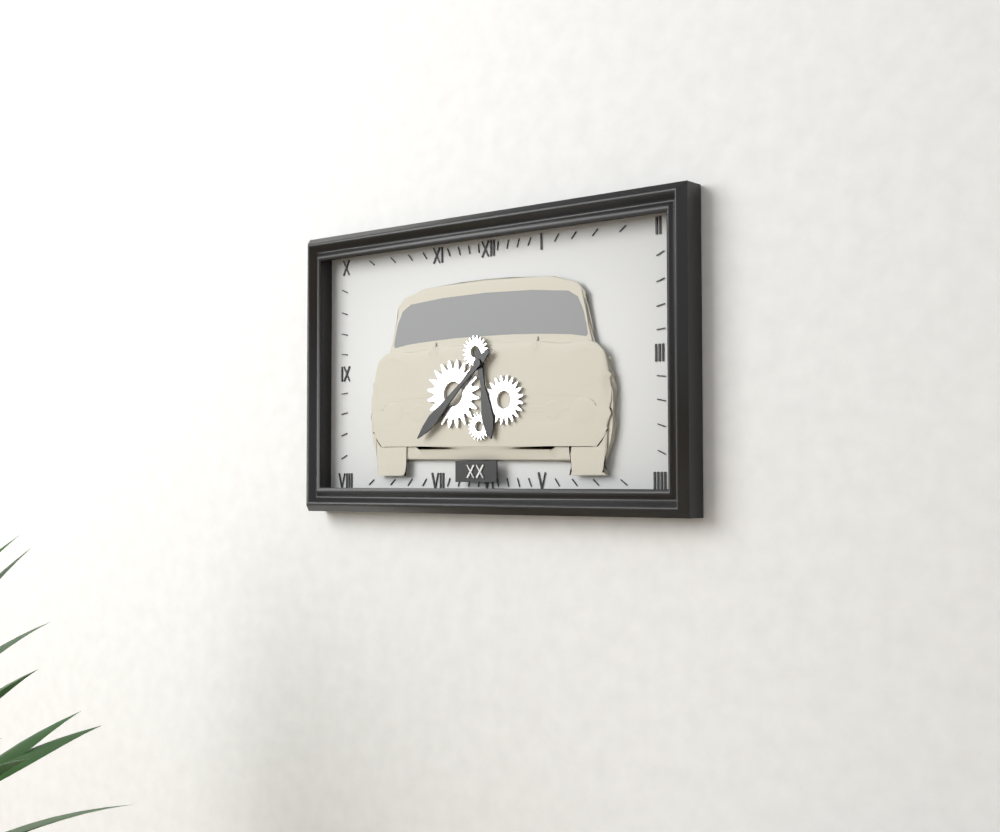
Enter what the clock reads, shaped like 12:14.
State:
5:38
